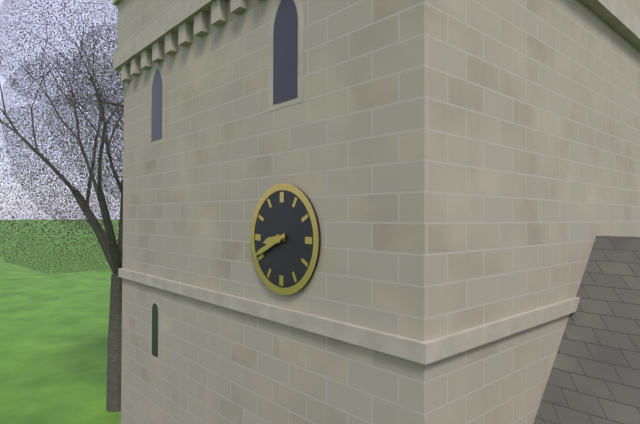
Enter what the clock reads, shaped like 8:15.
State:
8:41
